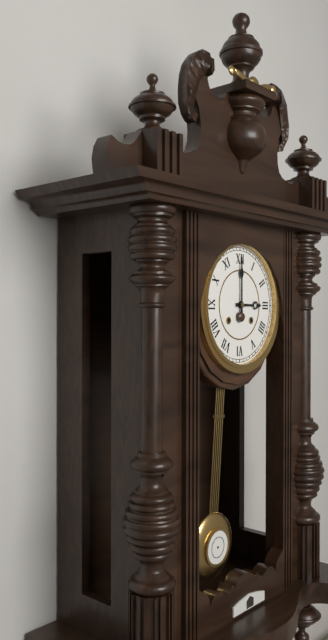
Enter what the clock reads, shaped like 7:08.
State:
3:00
